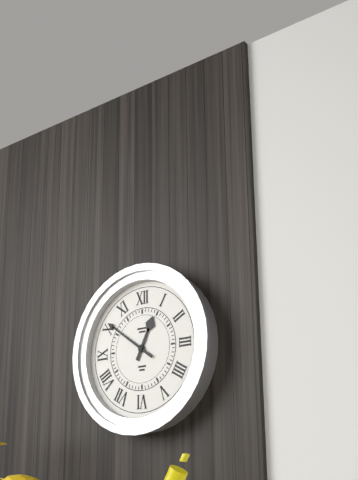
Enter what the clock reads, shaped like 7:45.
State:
12:51
